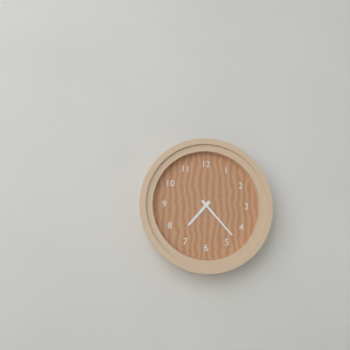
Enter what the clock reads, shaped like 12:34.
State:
7:23
